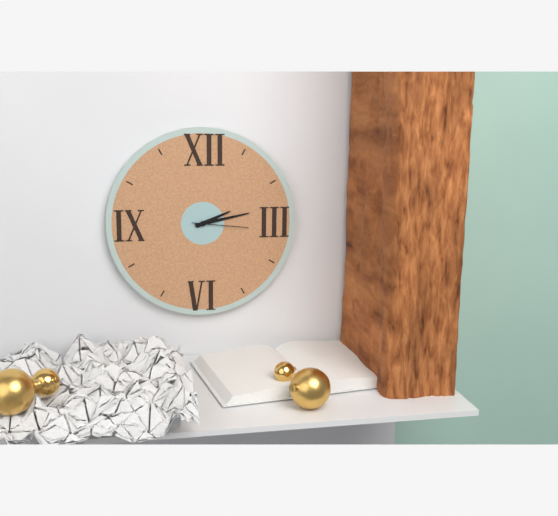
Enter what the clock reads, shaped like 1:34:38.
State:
2:13:16
